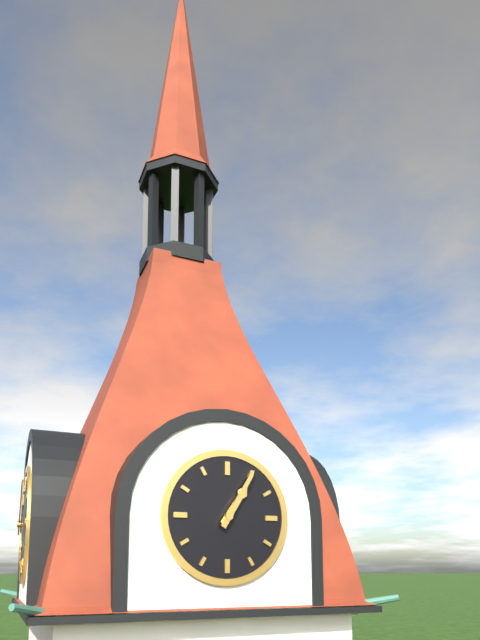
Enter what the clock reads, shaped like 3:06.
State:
1:05
